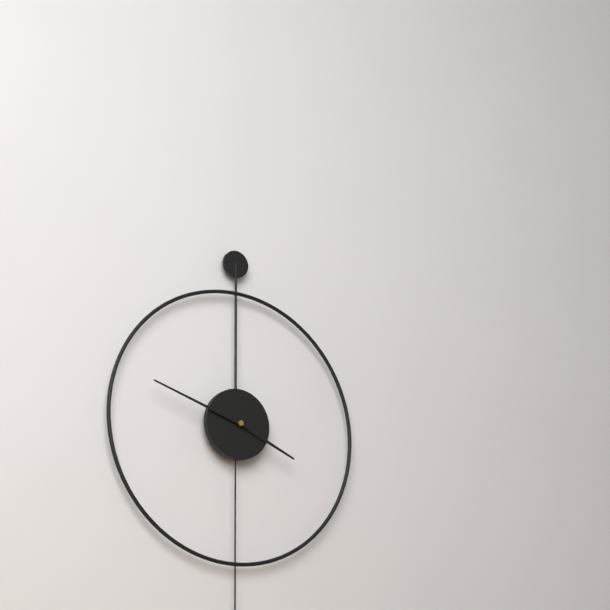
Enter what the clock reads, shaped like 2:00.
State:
3:48
